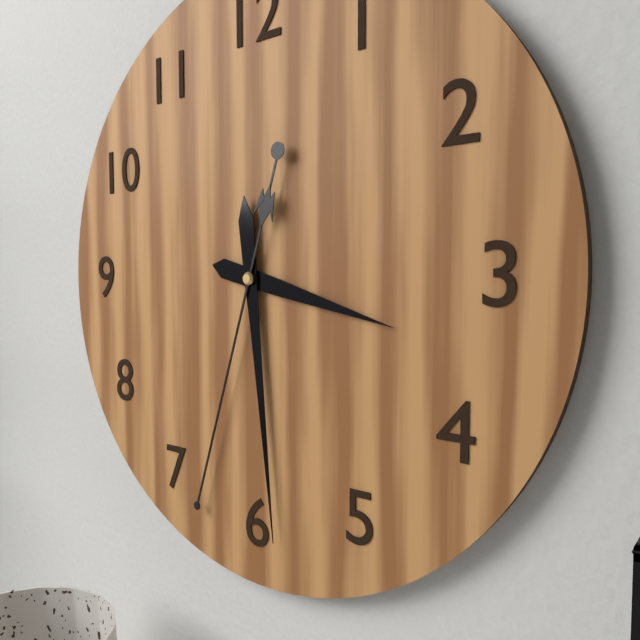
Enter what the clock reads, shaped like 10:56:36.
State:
3:29:33
